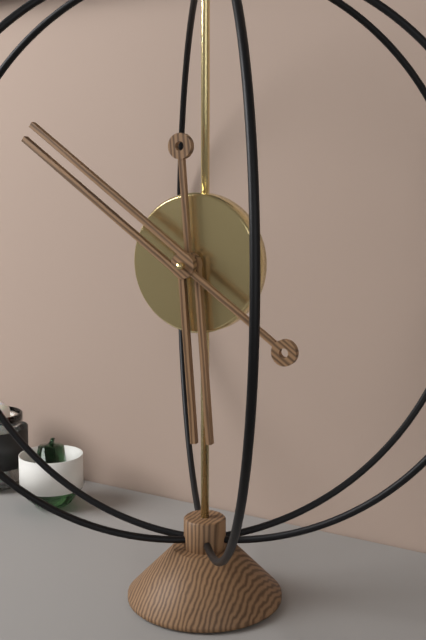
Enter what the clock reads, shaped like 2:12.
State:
5:51
